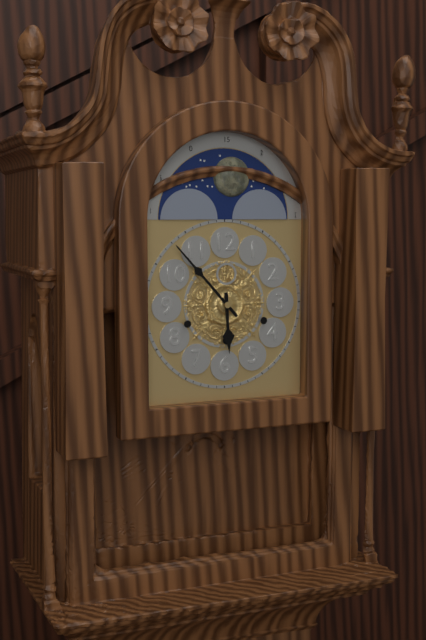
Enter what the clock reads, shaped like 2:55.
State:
5:53
